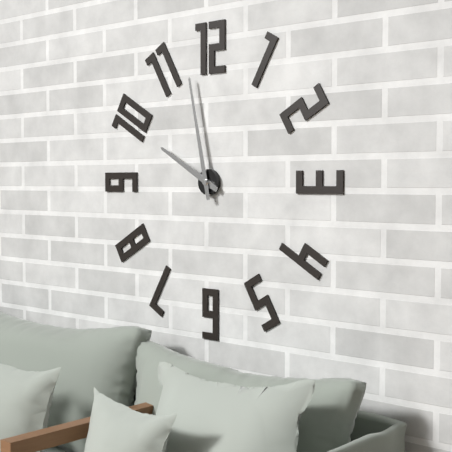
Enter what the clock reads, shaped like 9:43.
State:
9:58
